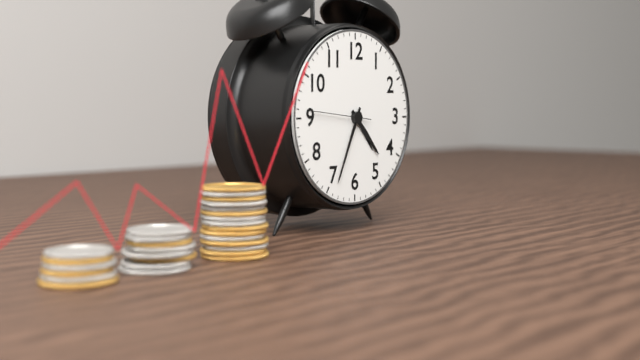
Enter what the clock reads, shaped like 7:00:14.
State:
4:34:46
